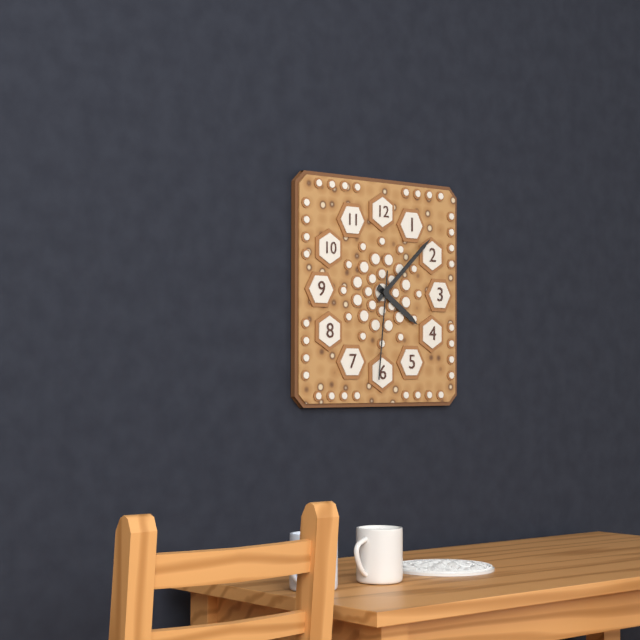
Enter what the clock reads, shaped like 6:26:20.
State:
4:08:31
